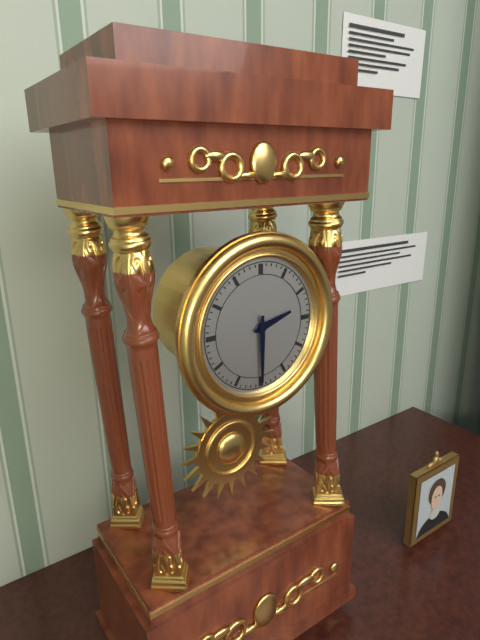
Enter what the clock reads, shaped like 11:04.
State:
2:30
